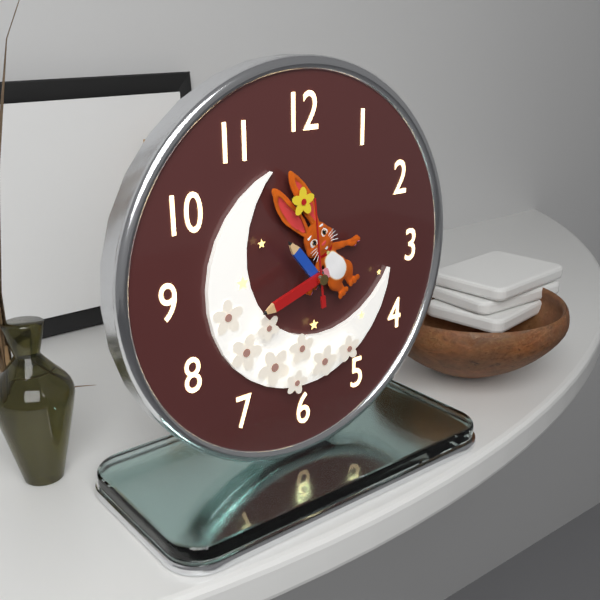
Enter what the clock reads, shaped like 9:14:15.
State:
10:42:59
